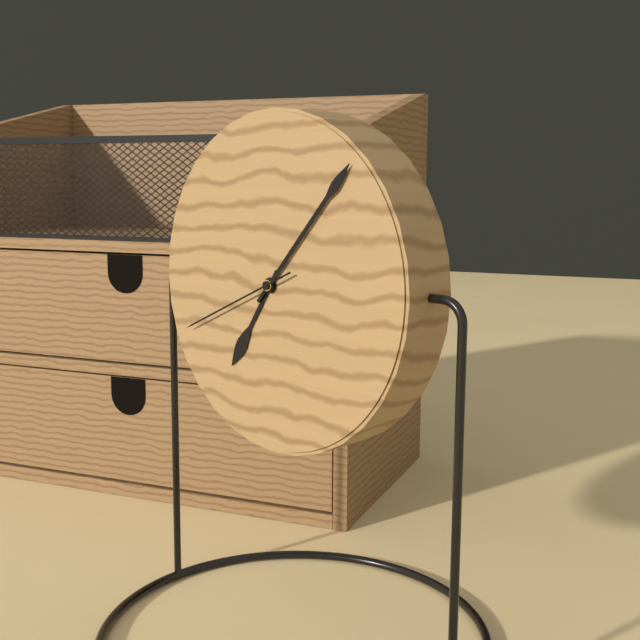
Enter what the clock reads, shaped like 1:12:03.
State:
7:07:41
